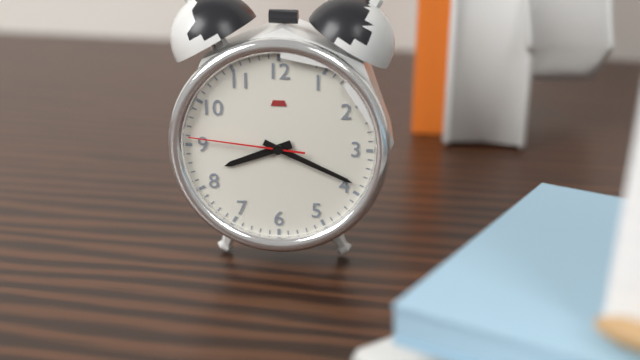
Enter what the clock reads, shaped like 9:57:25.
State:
8:19:46
